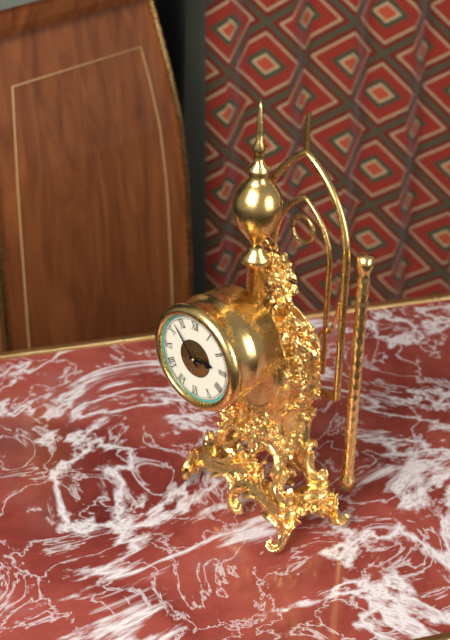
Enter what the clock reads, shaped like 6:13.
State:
2:53
